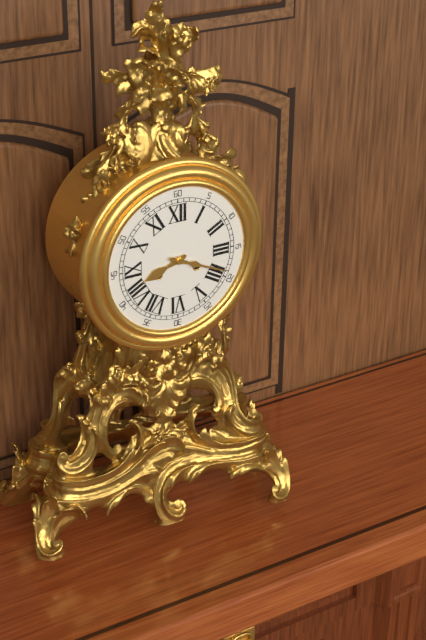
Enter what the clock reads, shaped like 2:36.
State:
8:19
